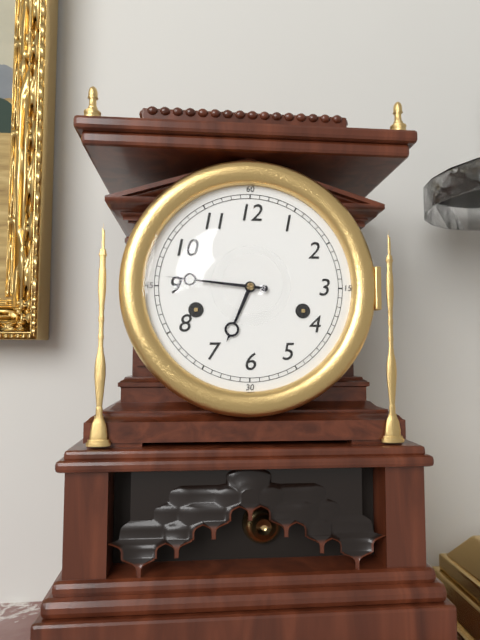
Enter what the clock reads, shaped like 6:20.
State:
6:46
